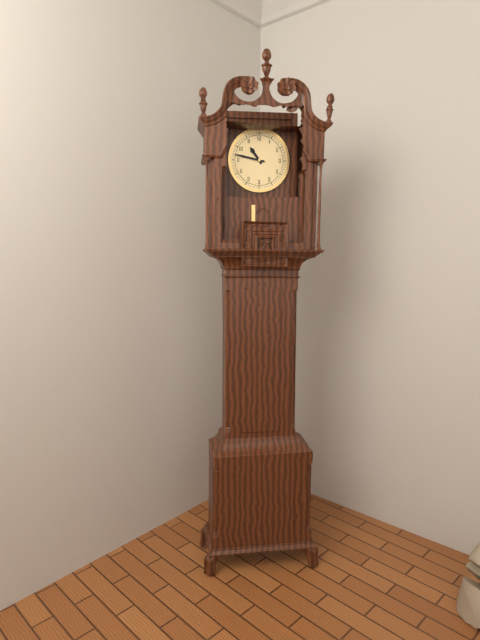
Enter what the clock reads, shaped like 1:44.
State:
10:47
